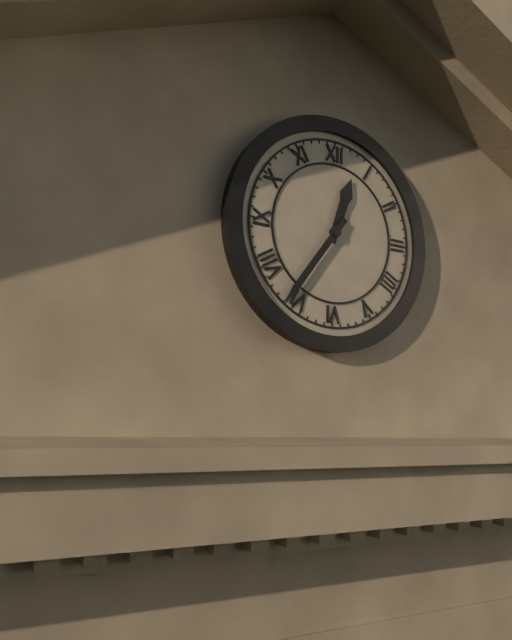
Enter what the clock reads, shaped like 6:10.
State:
12:36
